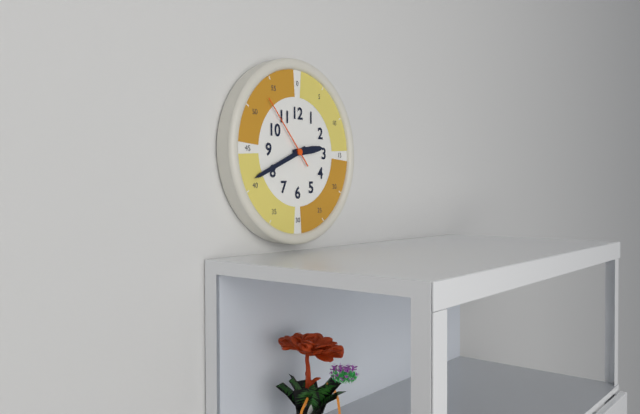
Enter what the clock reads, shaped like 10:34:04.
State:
2:41:53
